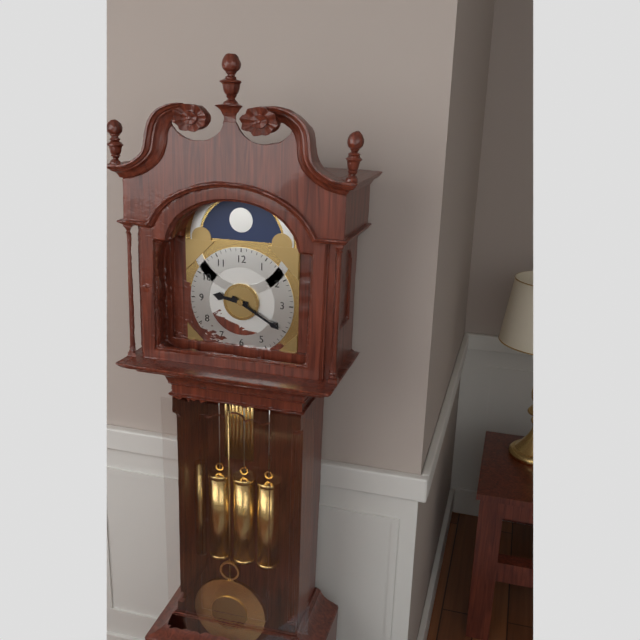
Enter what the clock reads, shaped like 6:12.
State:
9:20
